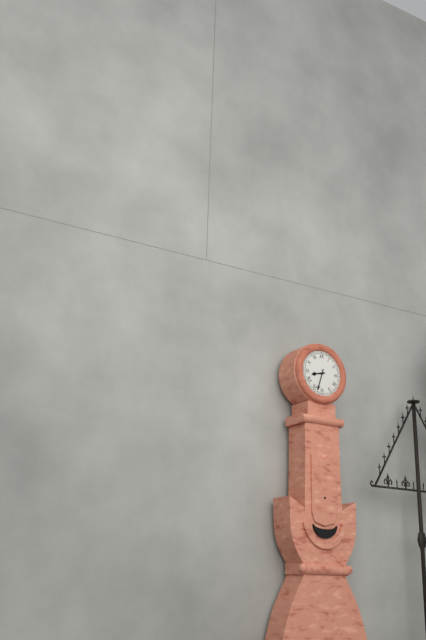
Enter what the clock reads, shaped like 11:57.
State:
8:33
